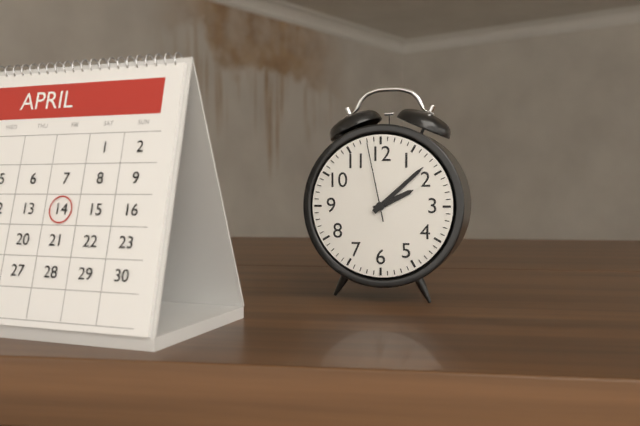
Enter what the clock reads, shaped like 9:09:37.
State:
2:08:58
